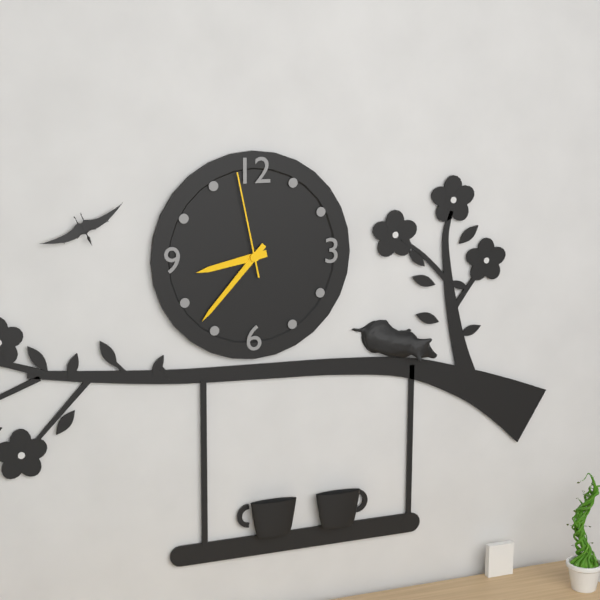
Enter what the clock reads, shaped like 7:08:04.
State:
8:37:58
